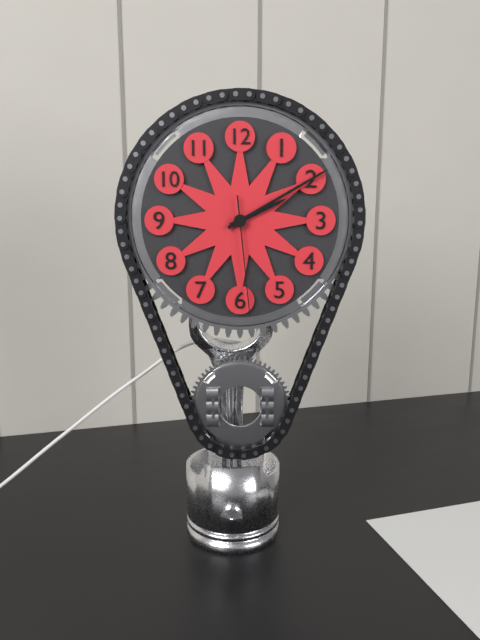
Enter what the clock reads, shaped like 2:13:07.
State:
2:10:29
